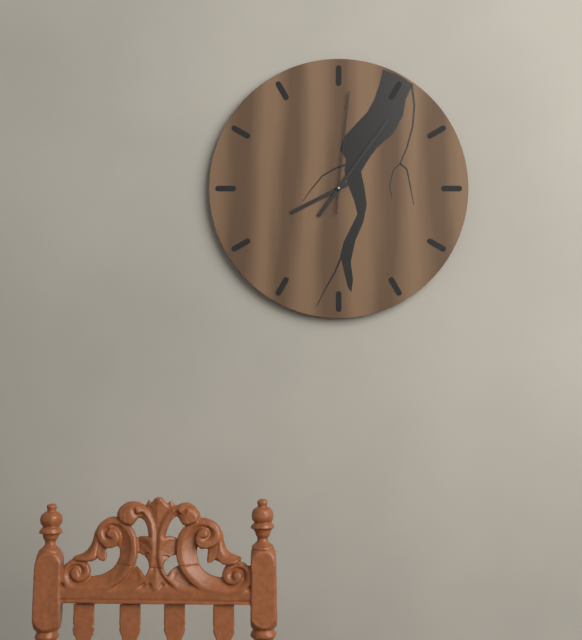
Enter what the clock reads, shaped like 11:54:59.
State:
8:06:01
